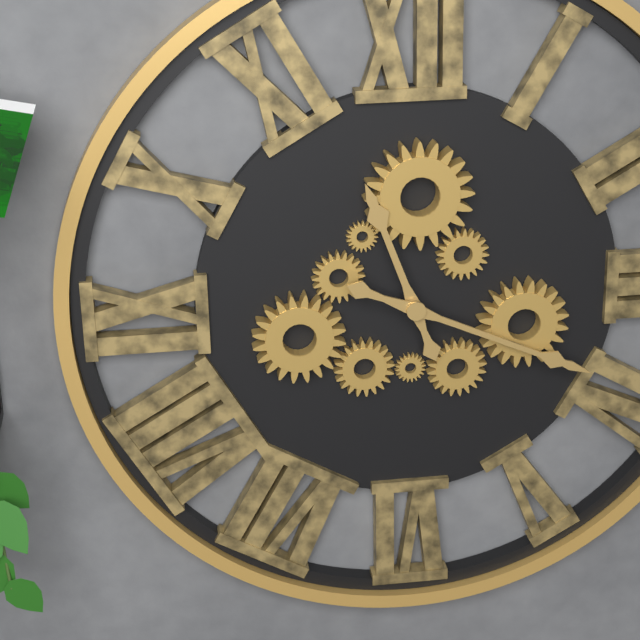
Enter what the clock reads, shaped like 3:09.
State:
11:19
